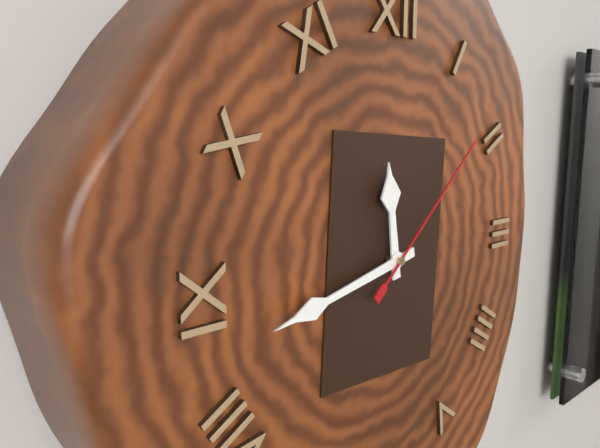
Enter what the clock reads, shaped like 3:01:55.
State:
11:43:08
